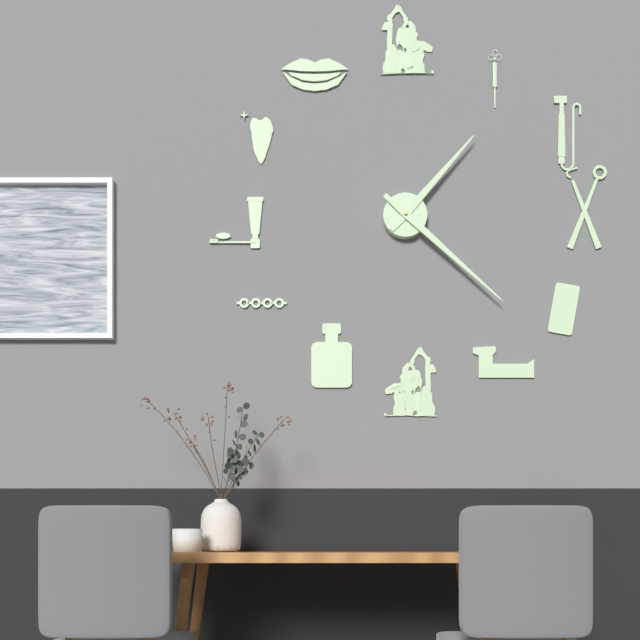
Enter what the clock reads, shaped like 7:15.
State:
1:22
